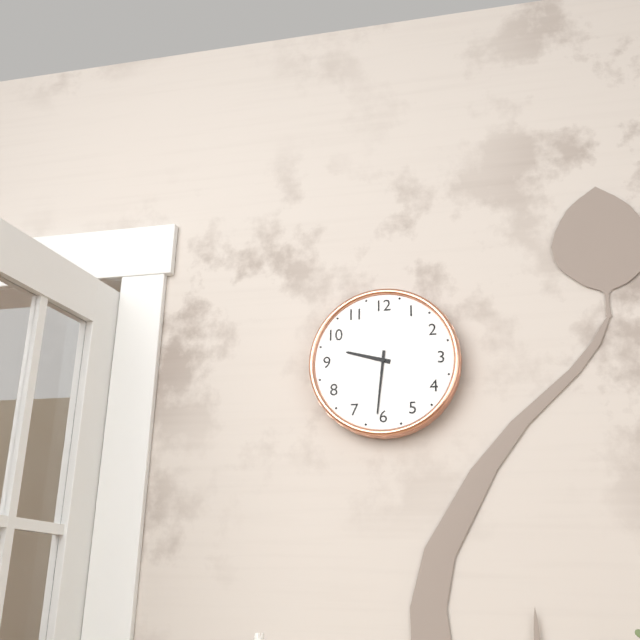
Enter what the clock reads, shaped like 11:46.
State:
9:31
